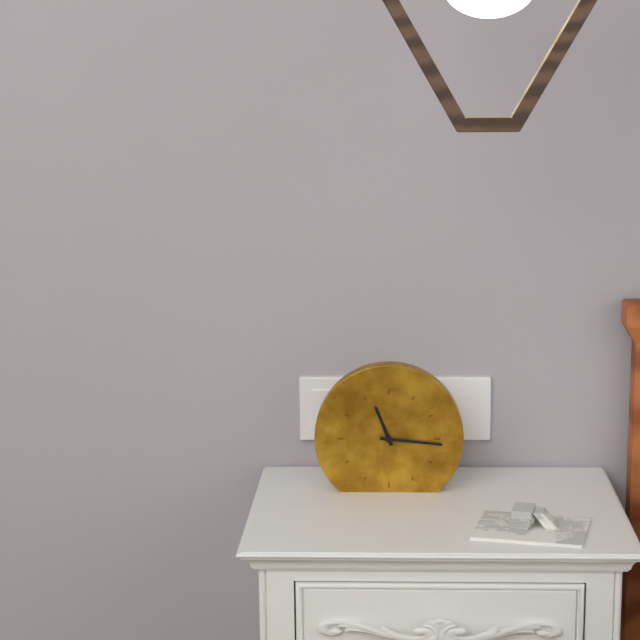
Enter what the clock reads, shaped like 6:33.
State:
11:16
